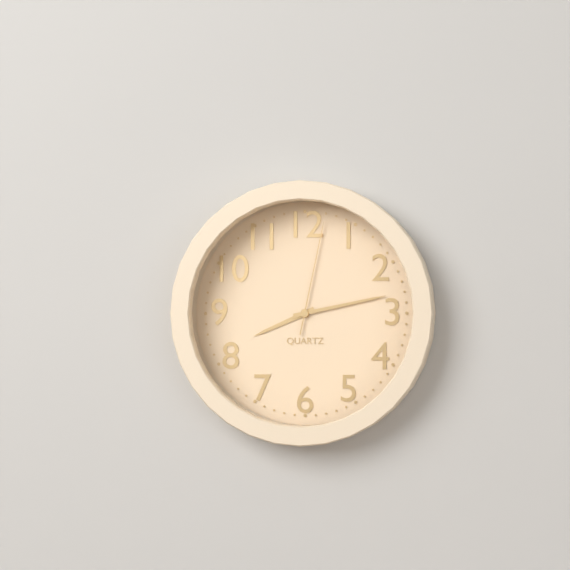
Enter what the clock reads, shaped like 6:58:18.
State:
8:13:02
